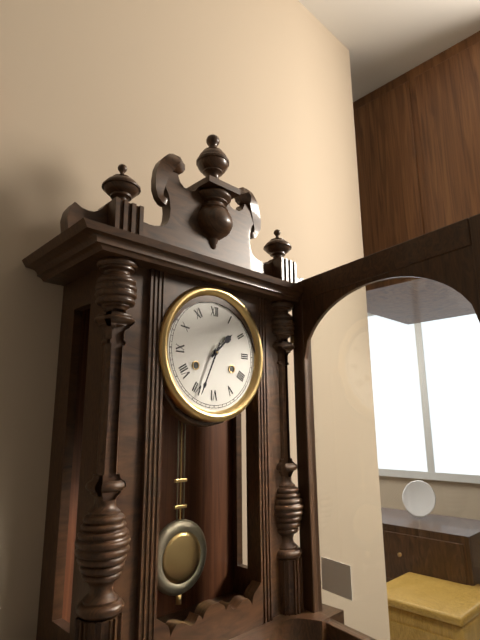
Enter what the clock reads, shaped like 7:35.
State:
1:34
